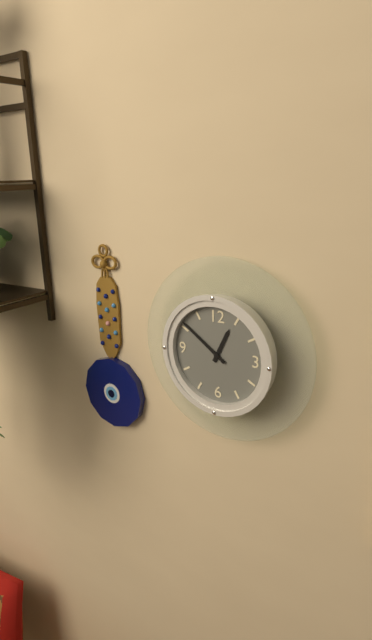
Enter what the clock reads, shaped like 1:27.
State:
12:51
